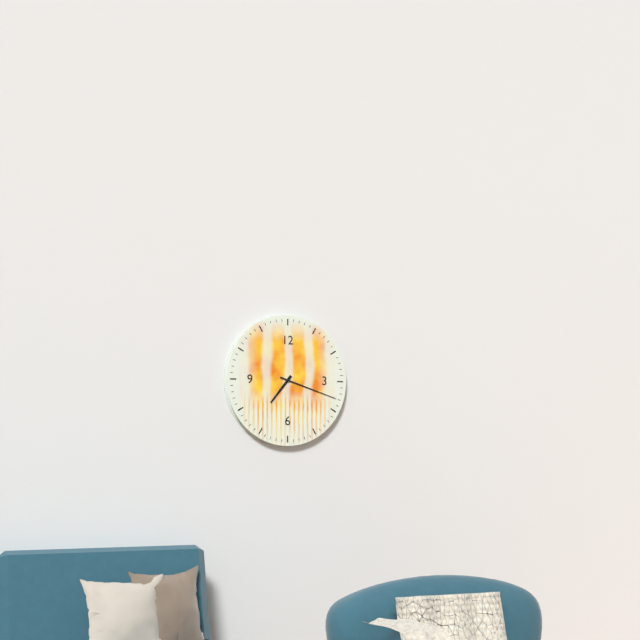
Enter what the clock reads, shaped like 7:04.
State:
7:18
